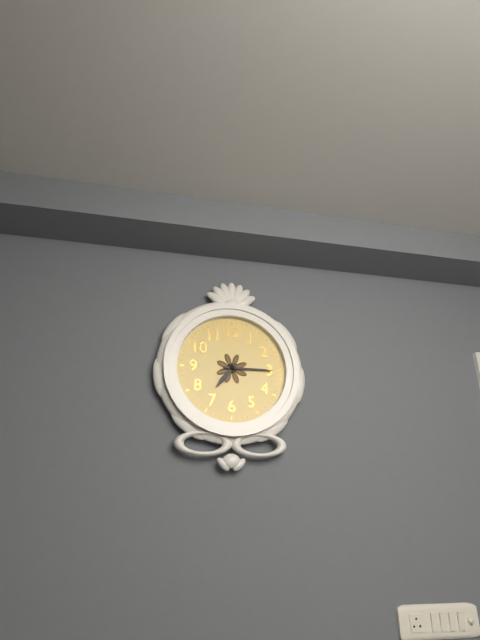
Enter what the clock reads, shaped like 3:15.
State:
7:15
